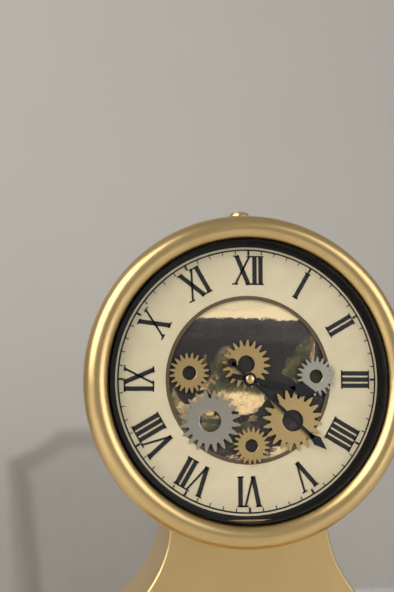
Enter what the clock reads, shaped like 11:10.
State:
3:22
